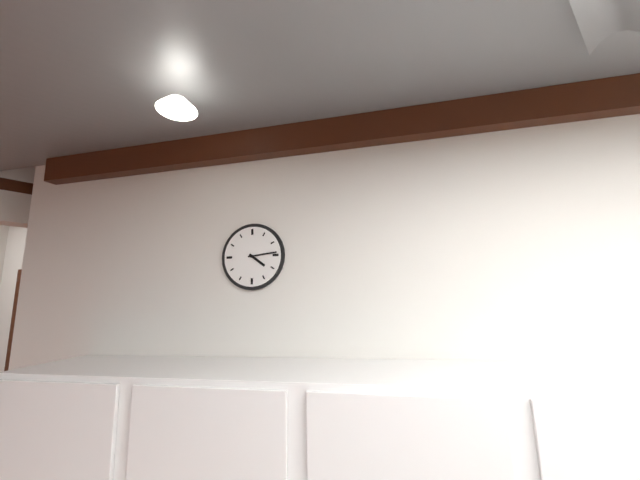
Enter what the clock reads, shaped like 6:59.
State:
4:14
